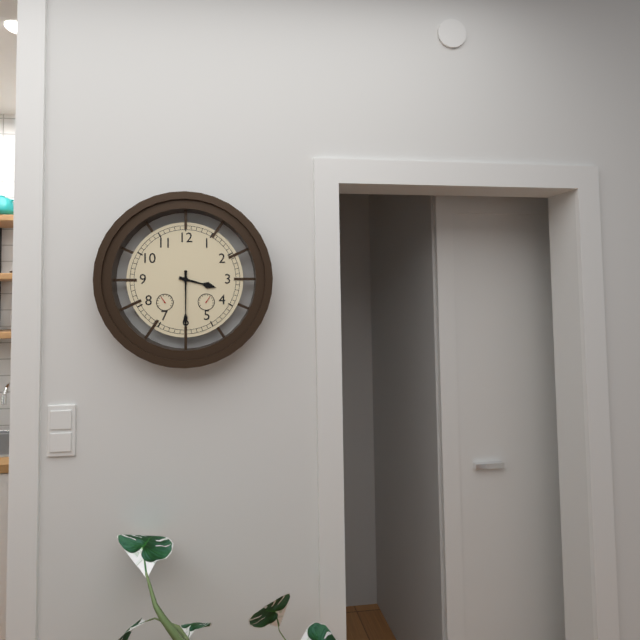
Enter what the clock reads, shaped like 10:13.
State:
3:30
